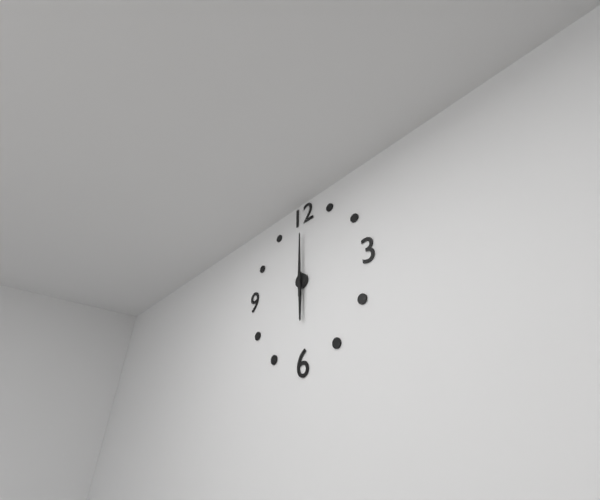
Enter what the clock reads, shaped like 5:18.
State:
6:00
